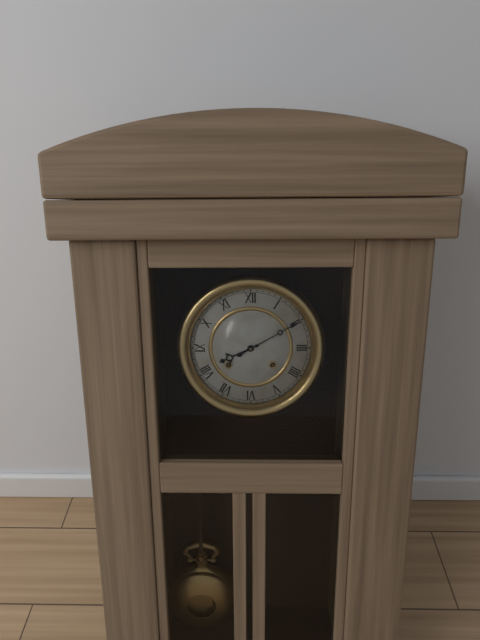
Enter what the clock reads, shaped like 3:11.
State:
8:10
